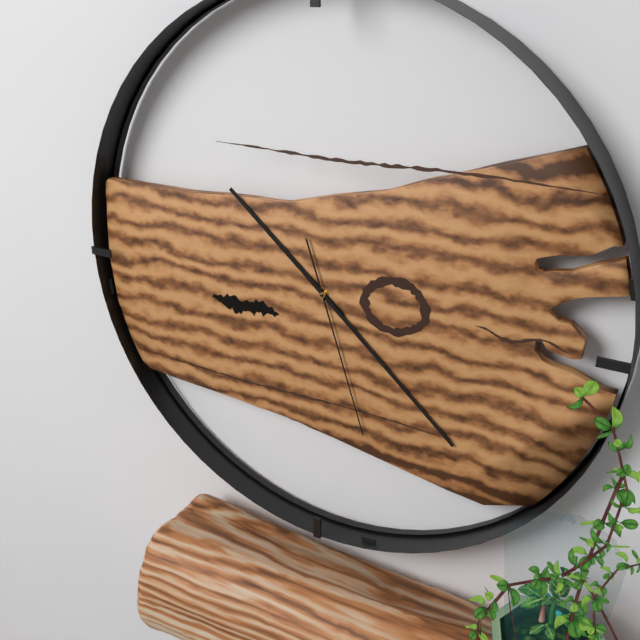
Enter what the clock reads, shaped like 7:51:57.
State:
10:22:27
